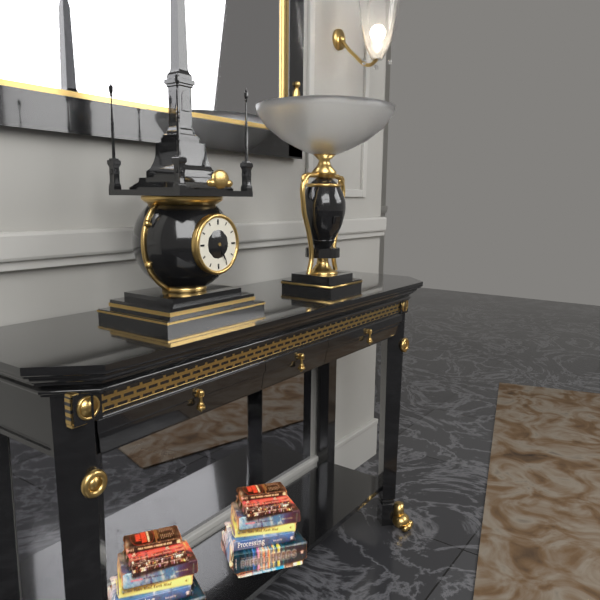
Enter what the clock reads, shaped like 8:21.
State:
3:25
